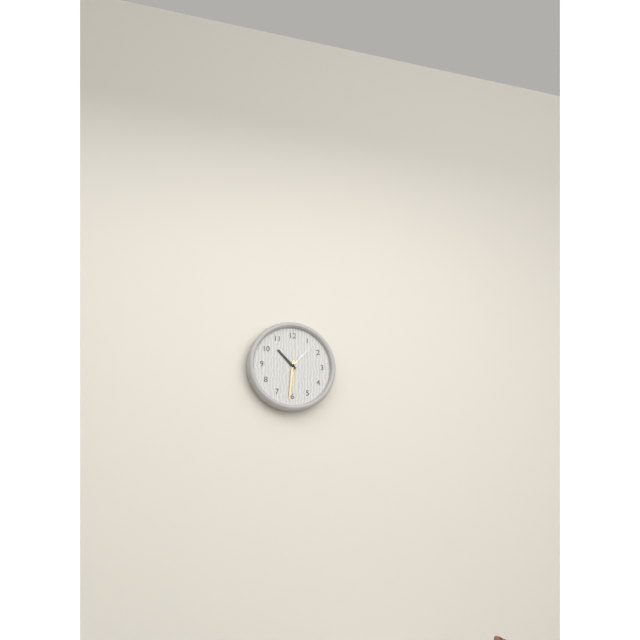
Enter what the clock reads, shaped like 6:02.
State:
10:31
